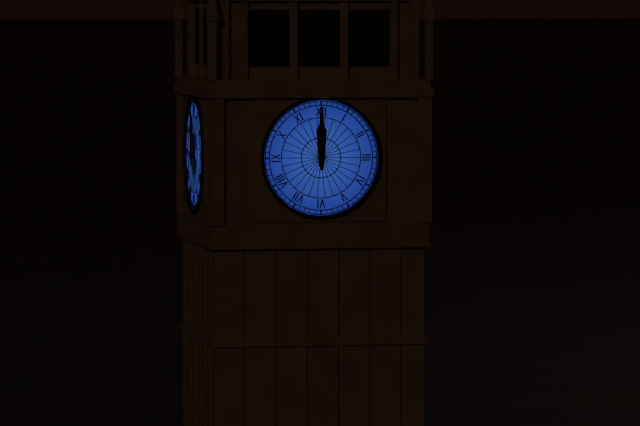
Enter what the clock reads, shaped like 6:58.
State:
12:00
